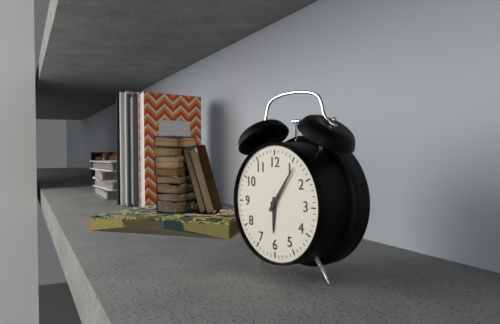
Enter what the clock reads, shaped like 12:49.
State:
6:06
